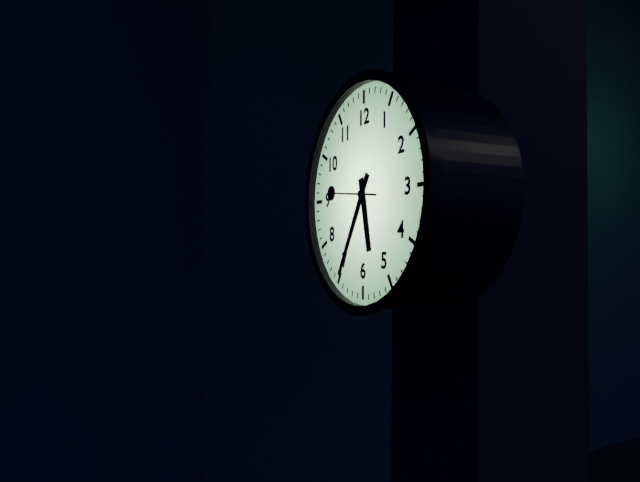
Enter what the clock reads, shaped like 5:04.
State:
5:35
